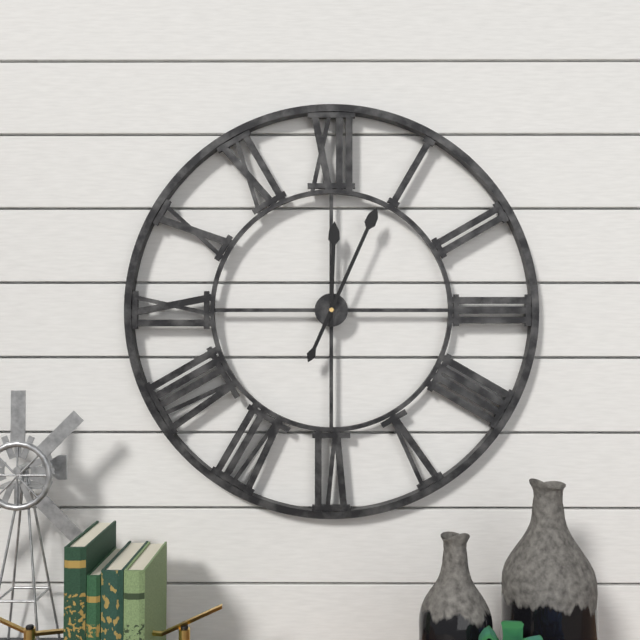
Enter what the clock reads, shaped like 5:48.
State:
12:04
